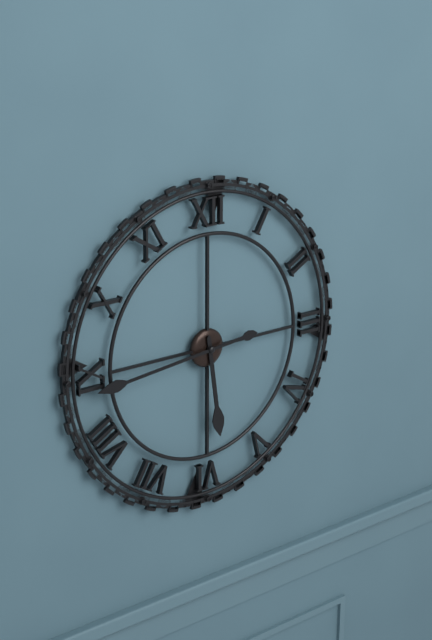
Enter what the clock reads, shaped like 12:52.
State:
5:44
